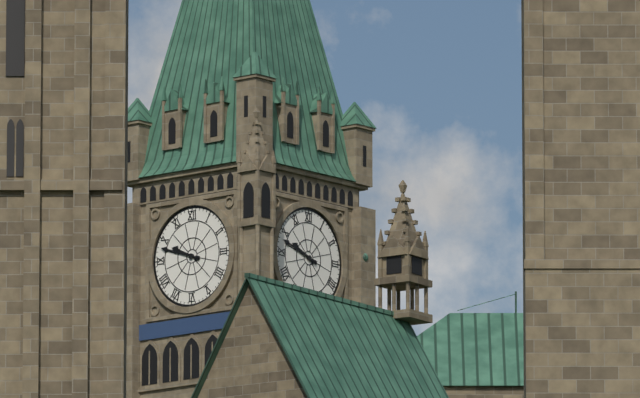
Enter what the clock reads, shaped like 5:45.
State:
9:48
